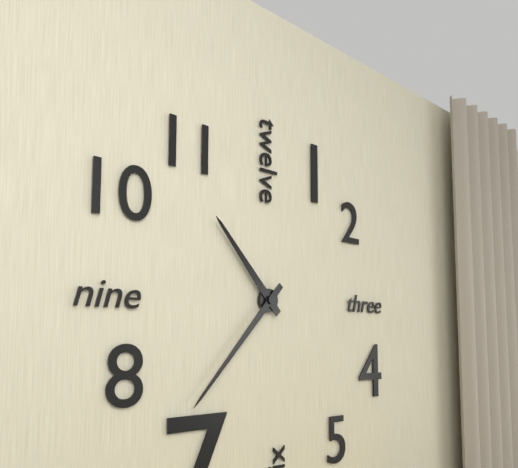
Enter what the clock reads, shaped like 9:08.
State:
10:37
